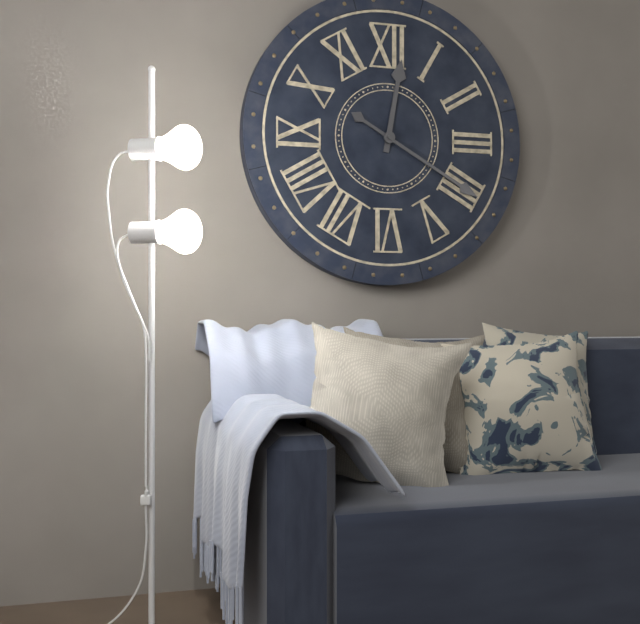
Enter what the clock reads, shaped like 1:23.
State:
12:20
